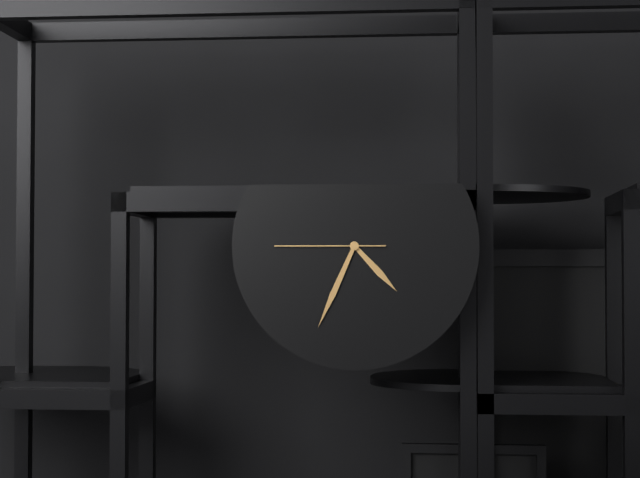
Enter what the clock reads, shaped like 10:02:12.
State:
4:34:45
